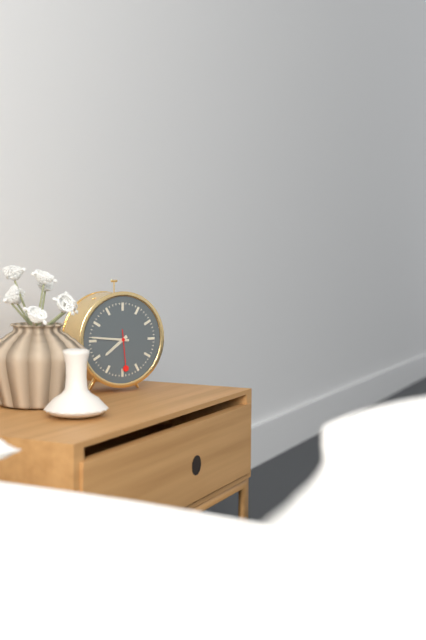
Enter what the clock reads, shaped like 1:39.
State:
7:46
